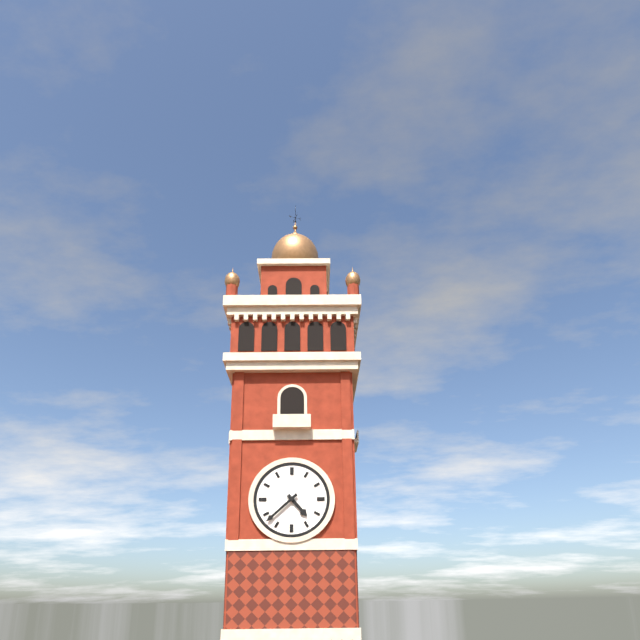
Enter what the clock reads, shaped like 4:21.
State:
4:38
